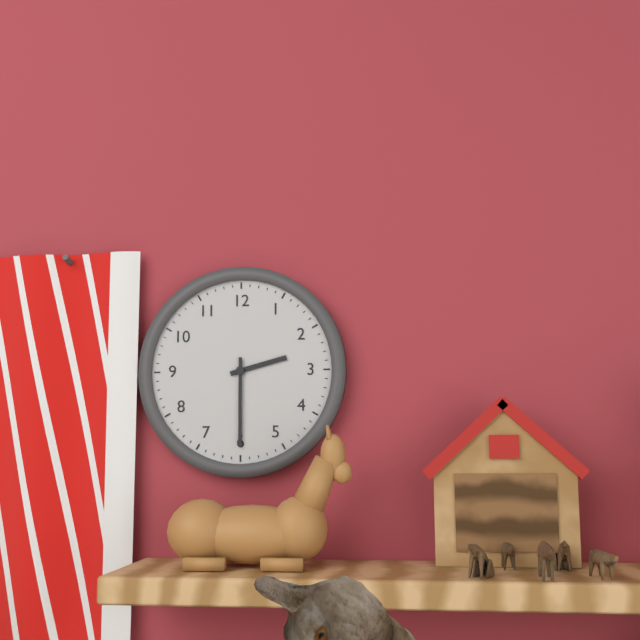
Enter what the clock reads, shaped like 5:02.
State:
2:30
